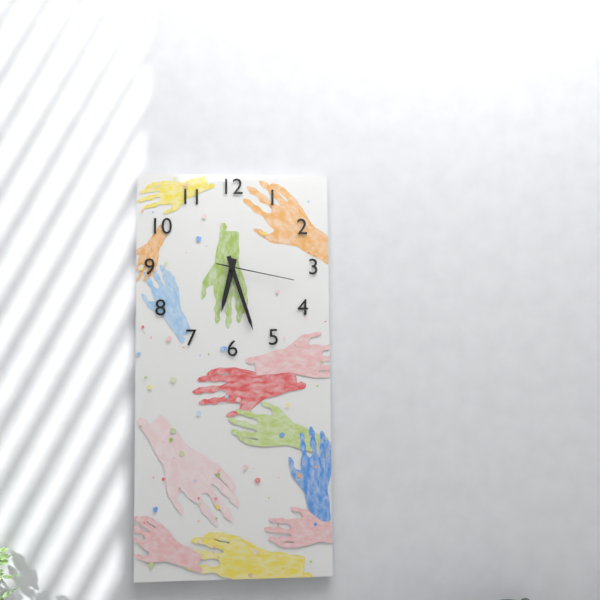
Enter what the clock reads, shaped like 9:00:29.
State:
6:27:17
